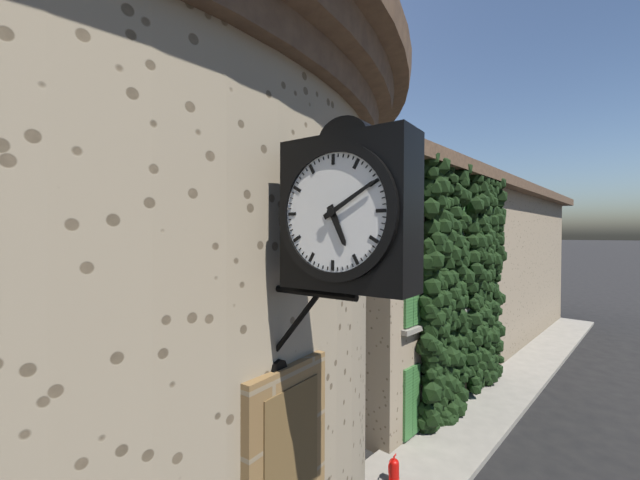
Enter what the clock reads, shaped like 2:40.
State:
5:10
